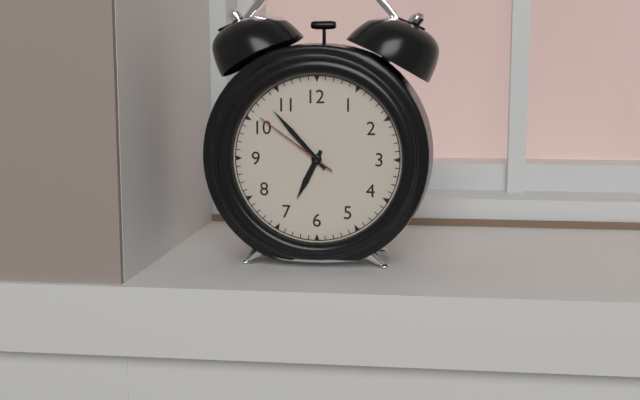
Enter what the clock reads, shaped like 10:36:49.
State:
6:53:51
